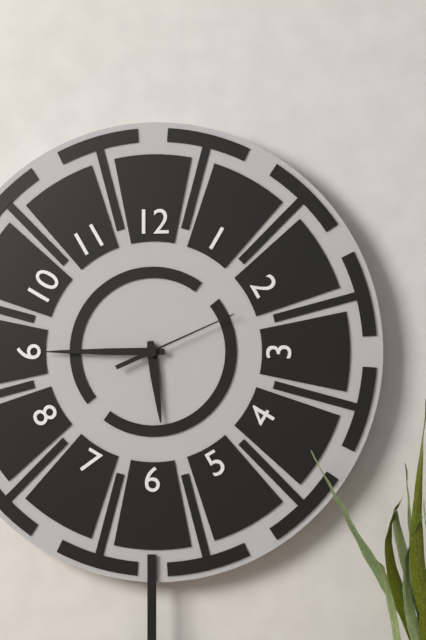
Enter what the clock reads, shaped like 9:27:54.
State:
5:45:11
